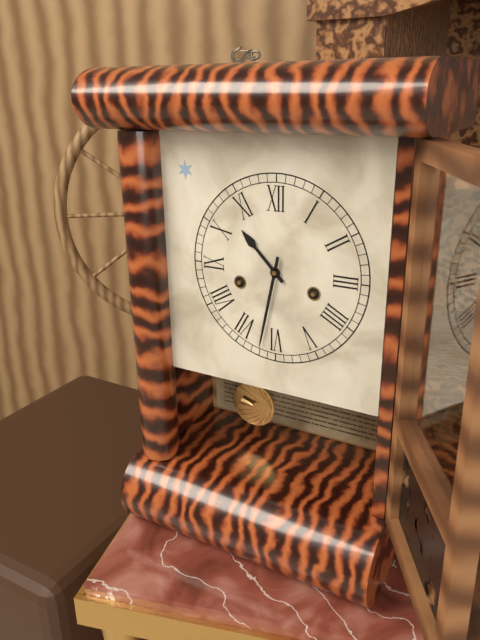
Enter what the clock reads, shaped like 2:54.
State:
10:32
